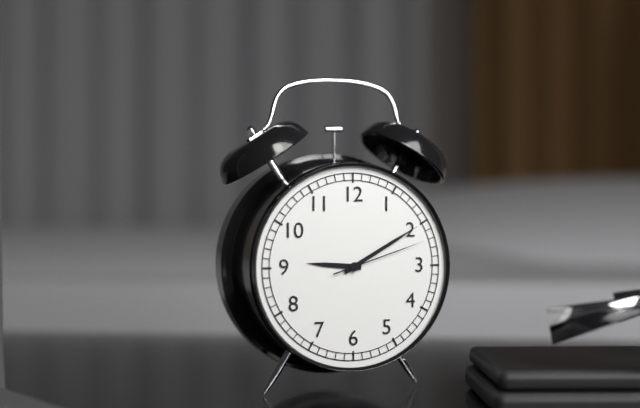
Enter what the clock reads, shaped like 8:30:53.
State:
9:10:12
